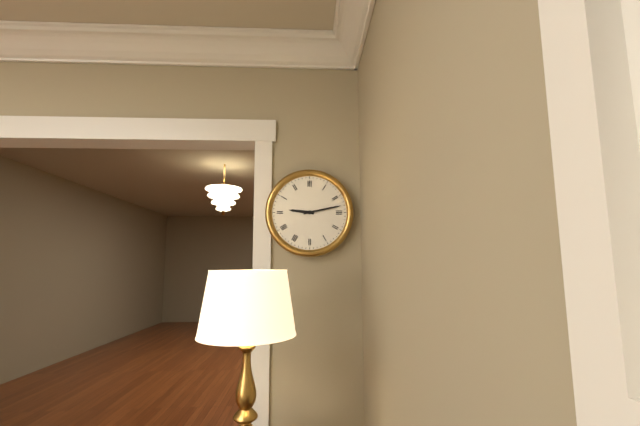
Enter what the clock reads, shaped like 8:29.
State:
9:13
